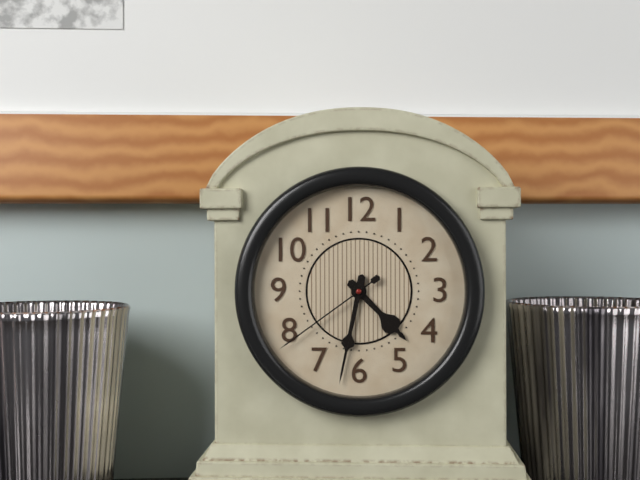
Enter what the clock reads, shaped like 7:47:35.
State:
4:32:39
